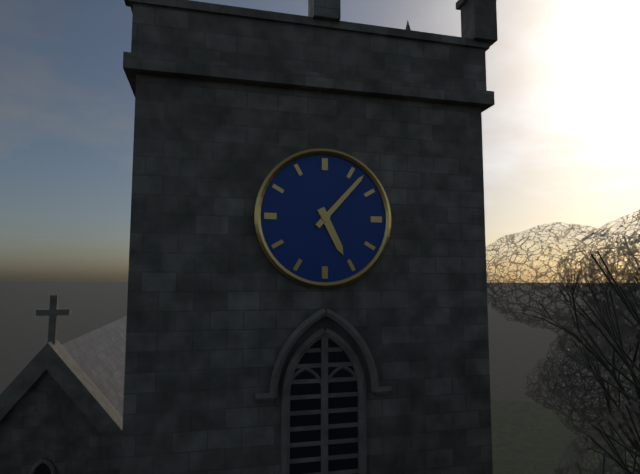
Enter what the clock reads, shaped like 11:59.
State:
5:07
